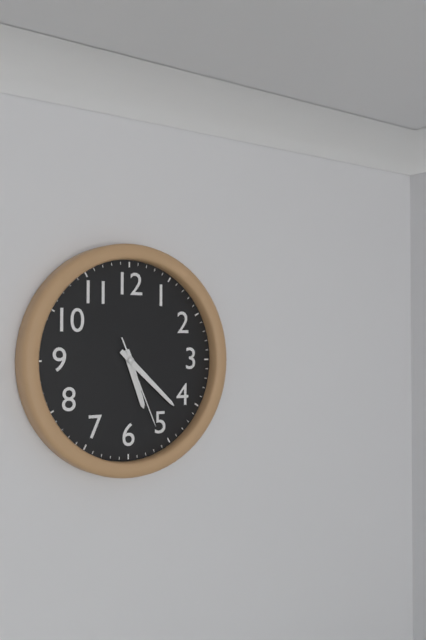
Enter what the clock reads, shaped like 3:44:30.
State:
5:22:26
